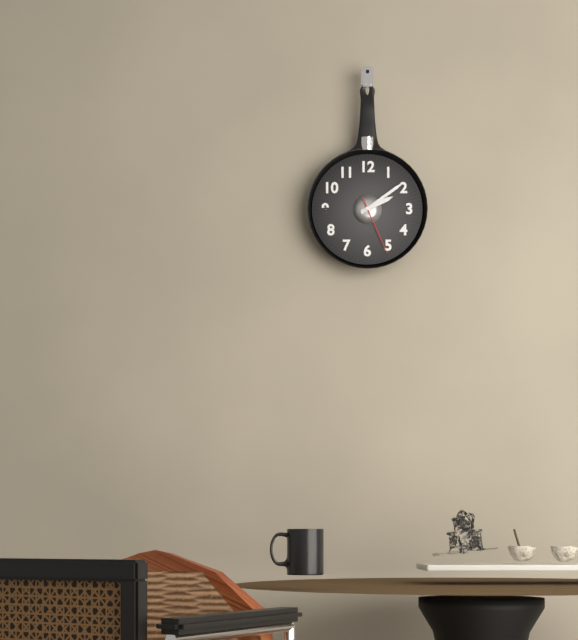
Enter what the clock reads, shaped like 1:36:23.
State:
2:09:26
